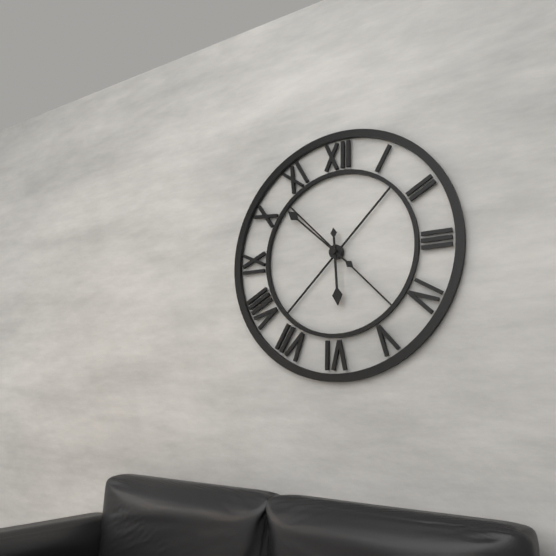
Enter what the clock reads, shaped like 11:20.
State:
5:52
